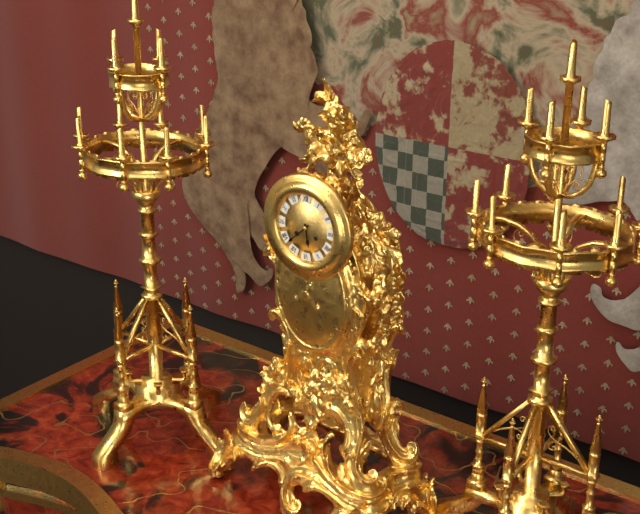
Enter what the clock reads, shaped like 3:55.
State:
5:38
